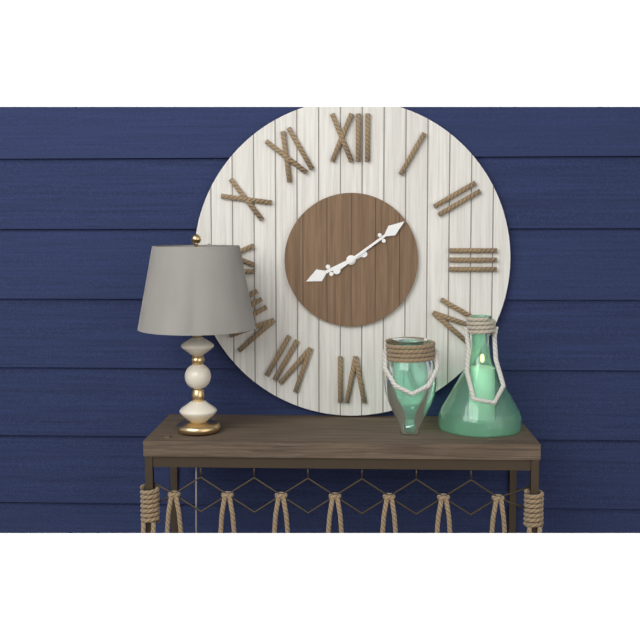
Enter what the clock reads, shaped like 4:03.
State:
8:09
